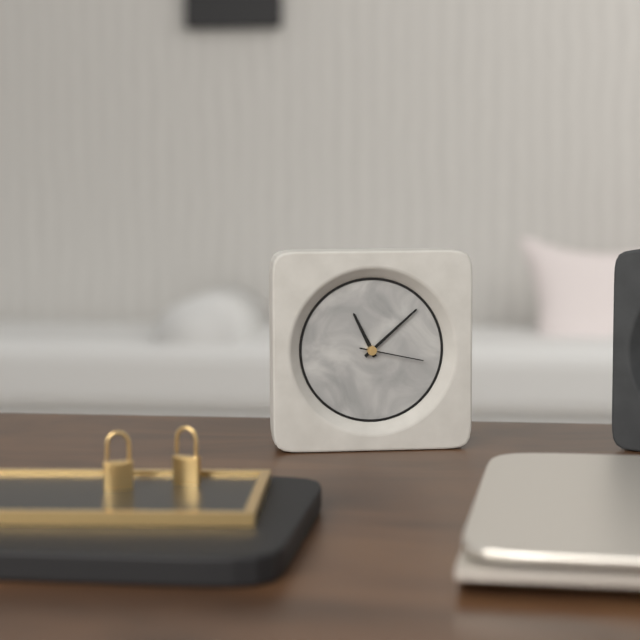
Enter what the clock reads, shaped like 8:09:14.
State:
11:08:17
